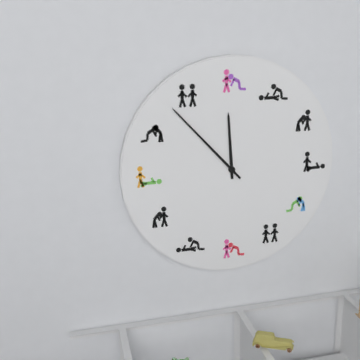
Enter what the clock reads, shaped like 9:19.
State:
11:53
